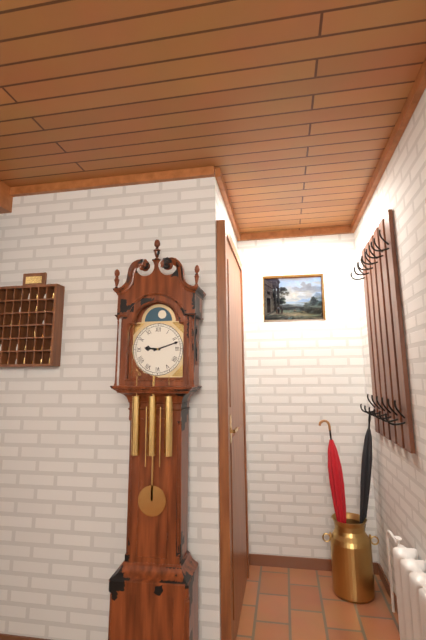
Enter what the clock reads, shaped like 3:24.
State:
9:12
